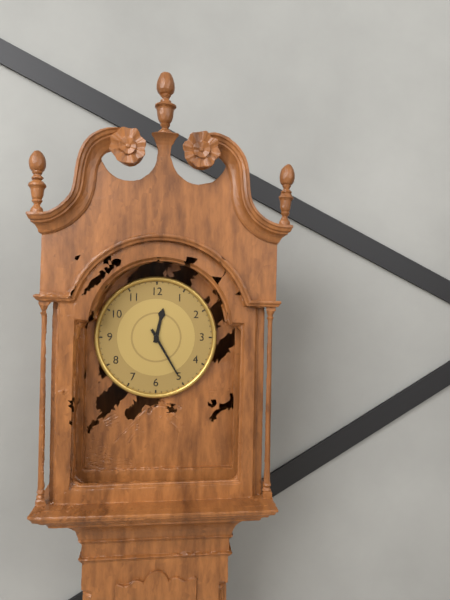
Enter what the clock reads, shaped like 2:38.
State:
12:25
